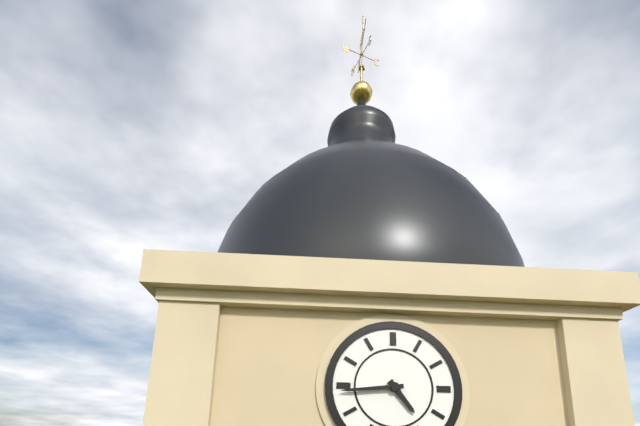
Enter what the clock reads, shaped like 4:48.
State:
4:44
